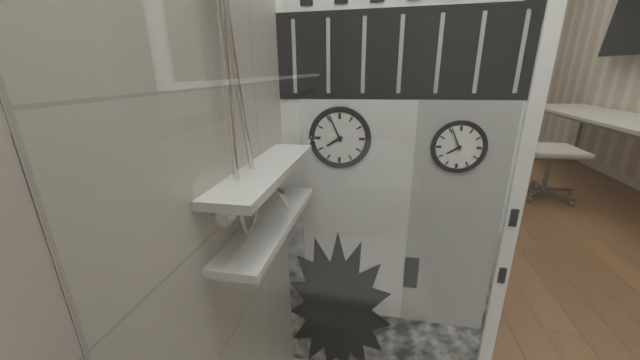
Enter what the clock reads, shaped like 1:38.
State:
7:56
